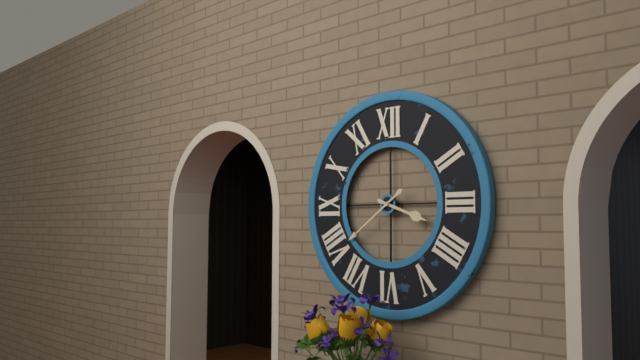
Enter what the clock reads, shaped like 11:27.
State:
3:39
